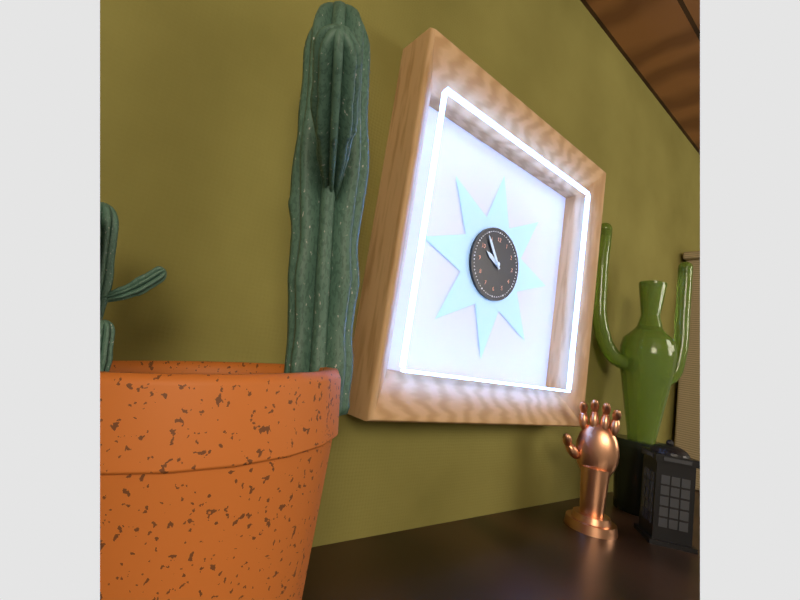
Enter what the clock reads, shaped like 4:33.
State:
9:54
